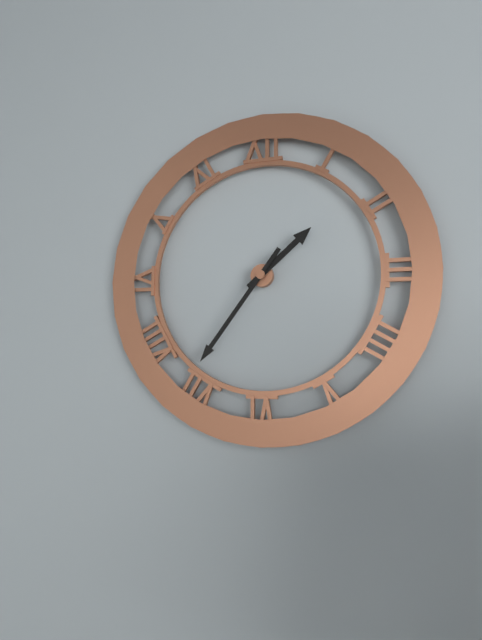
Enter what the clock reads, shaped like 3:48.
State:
1:36
